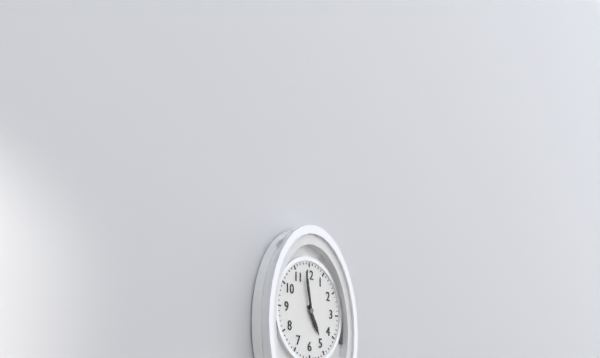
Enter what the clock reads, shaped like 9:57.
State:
4:58
